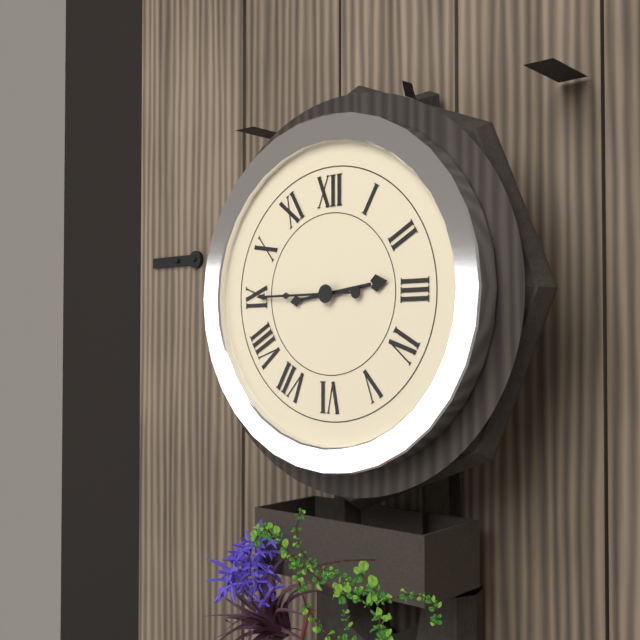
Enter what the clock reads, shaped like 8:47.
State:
2:45
